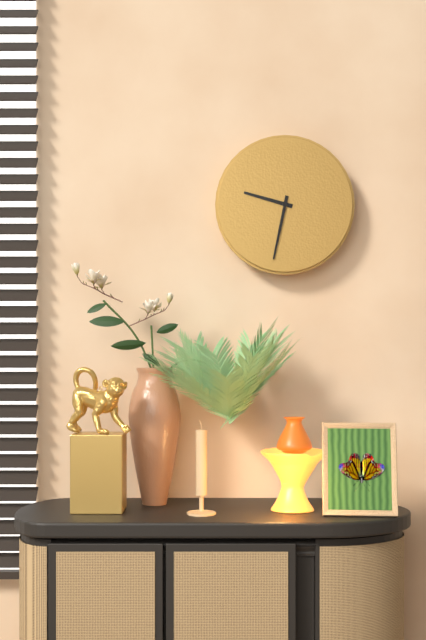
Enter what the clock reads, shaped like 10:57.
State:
9:32
